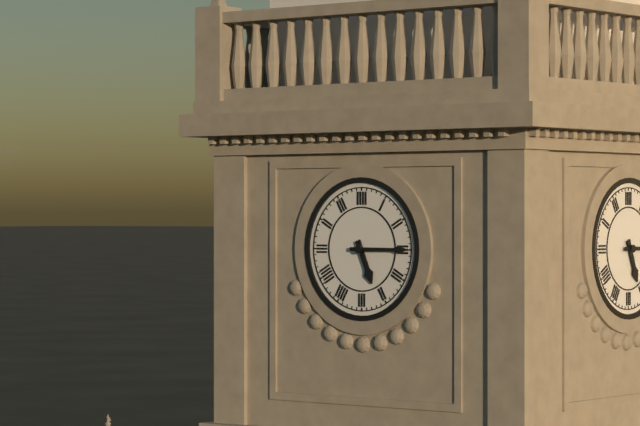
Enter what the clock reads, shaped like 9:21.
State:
5:15
